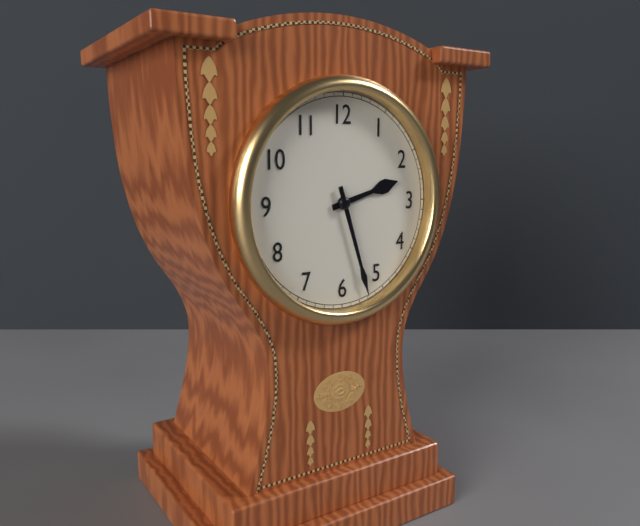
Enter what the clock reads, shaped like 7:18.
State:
2:27
